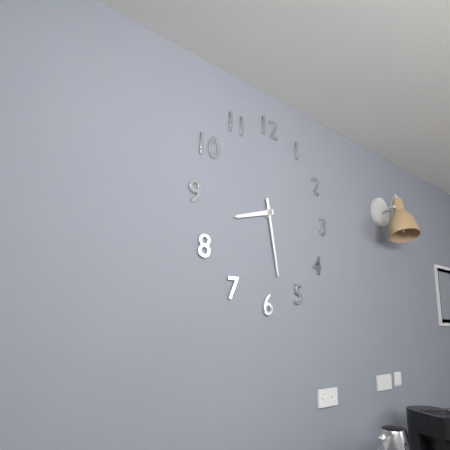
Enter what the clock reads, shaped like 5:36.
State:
8:28
